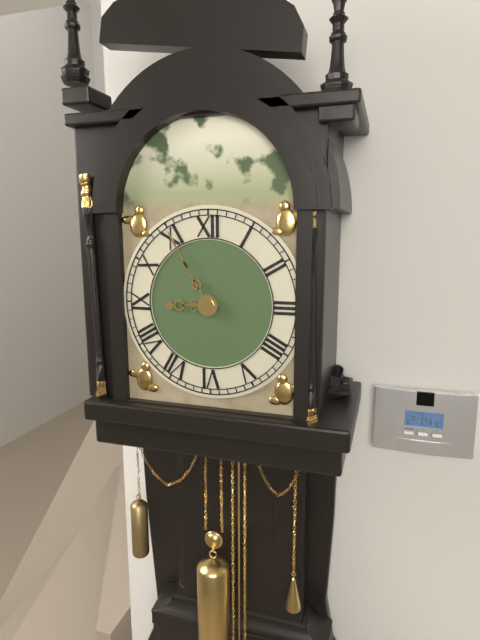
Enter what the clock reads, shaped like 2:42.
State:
8:55
